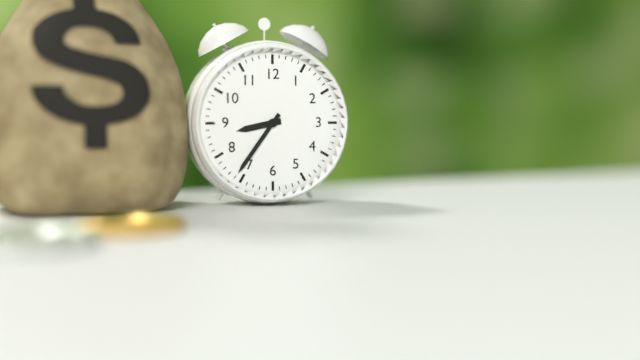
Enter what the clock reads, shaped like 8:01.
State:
8:36
